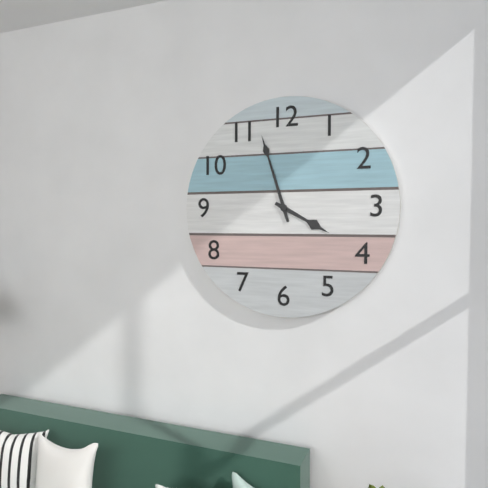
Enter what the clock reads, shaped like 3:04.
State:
3:57
